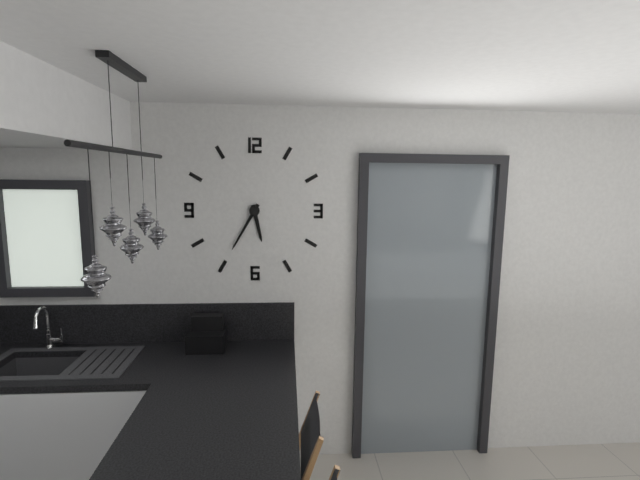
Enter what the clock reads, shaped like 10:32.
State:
5:35
